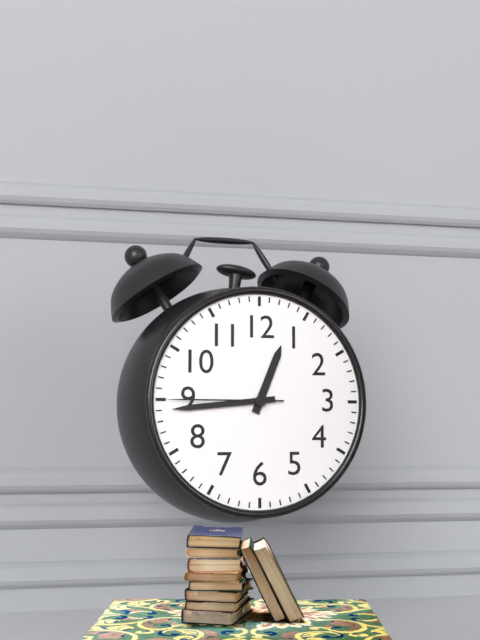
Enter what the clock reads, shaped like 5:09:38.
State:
12:44:45
